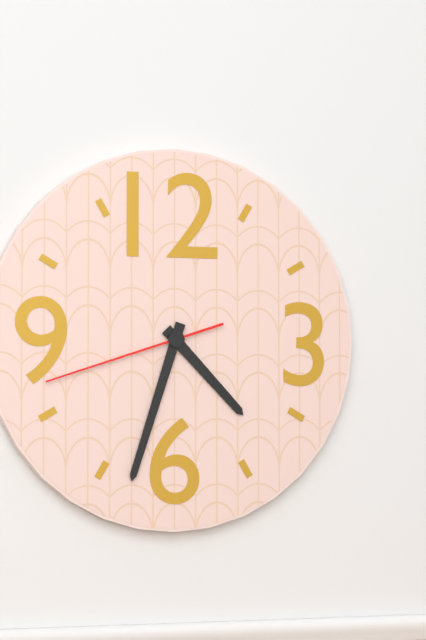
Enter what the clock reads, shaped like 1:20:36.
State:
4:33:42
